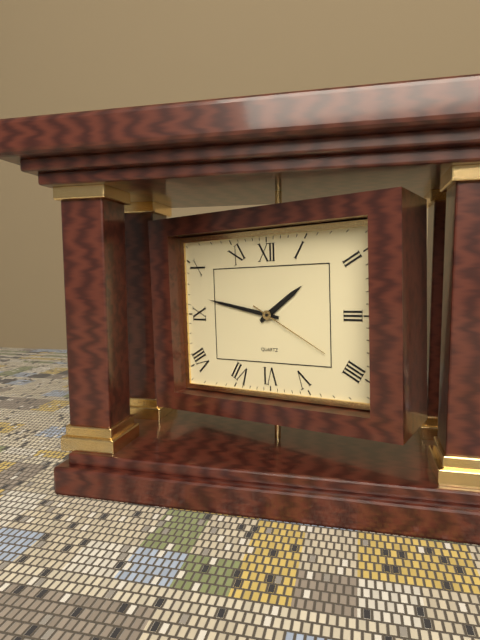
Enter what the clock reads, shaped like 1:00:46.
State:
1:47:20
